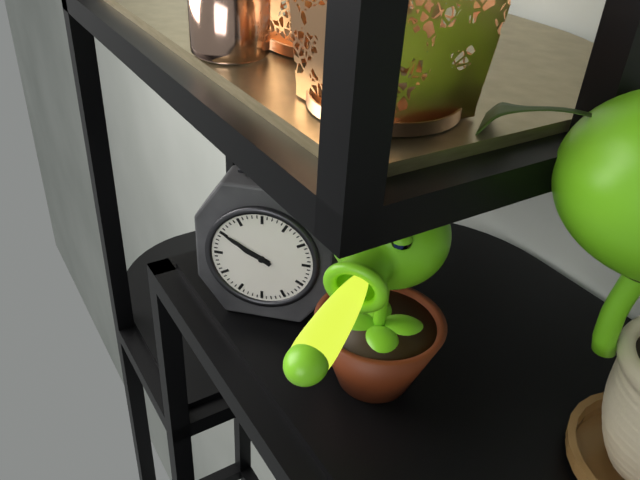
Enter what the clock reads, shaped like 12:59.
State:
9:50
